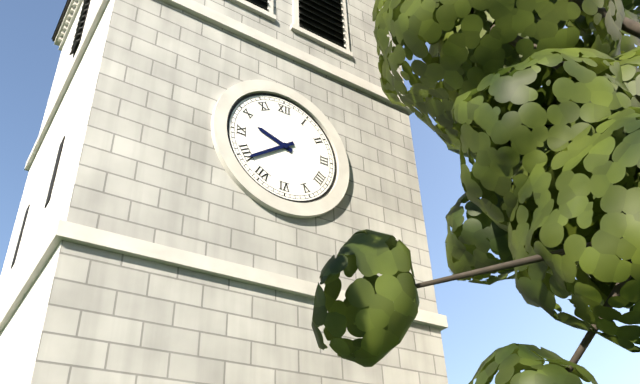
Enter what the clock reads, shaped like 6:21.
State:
9:39
